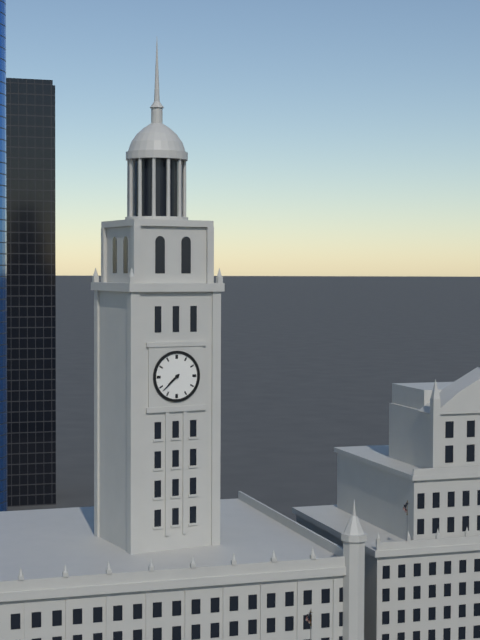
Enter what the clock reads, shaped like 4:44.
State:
7:38
